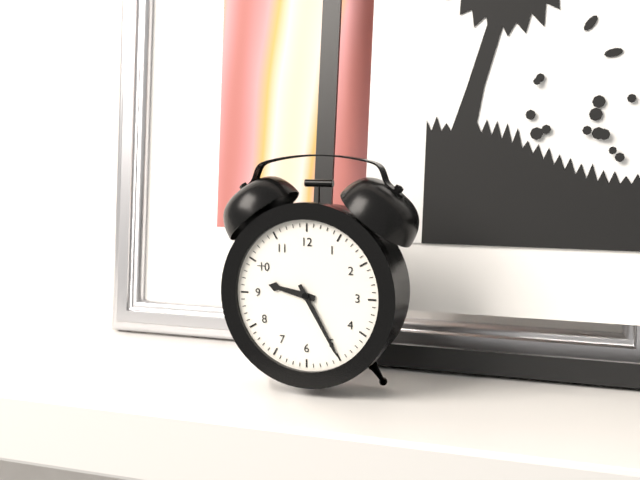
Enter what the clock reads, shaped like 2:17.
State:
9:25
